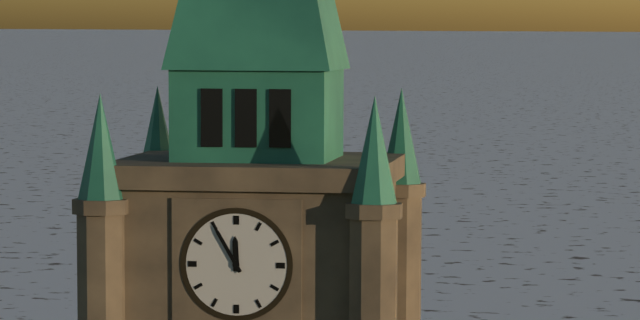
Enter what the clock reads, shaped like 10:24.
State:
11:55
